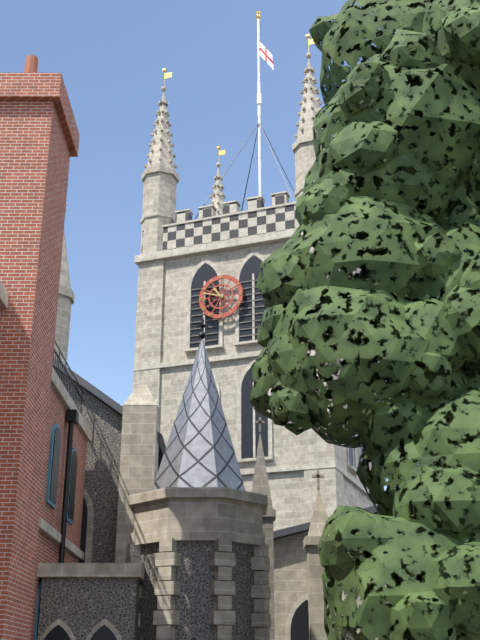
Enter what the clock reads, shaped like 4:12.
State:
10:48
